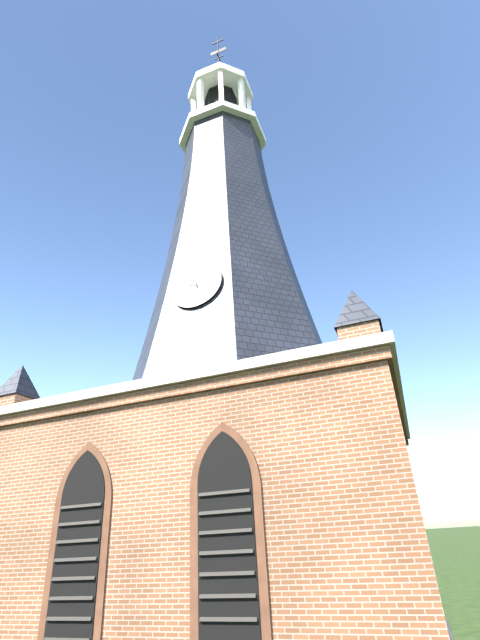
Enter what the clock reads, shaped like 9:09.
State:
9:58
